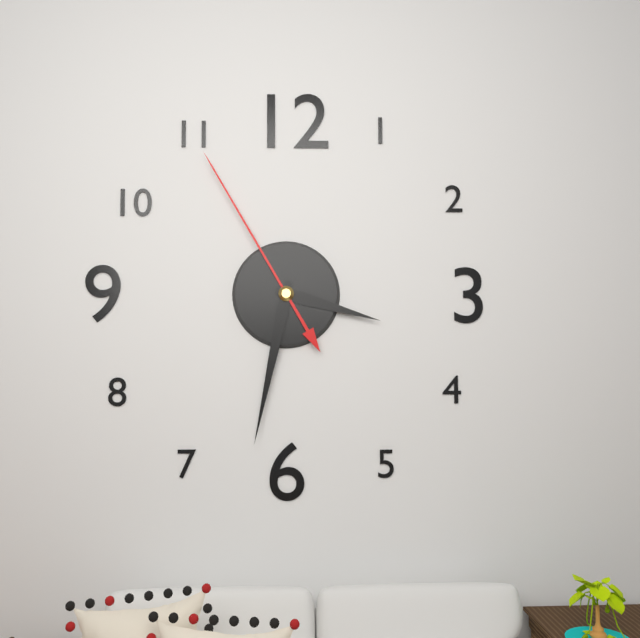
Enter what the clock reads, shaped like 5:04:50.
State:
3:32:55
